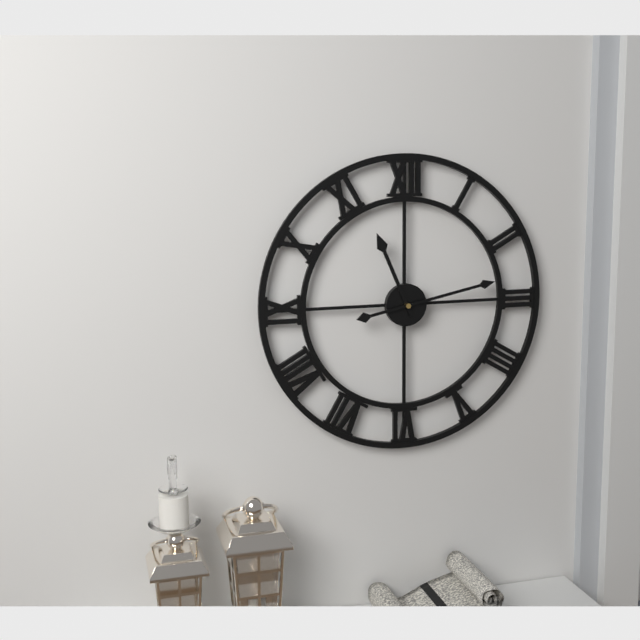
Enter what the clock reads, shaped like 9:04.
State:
11:13
